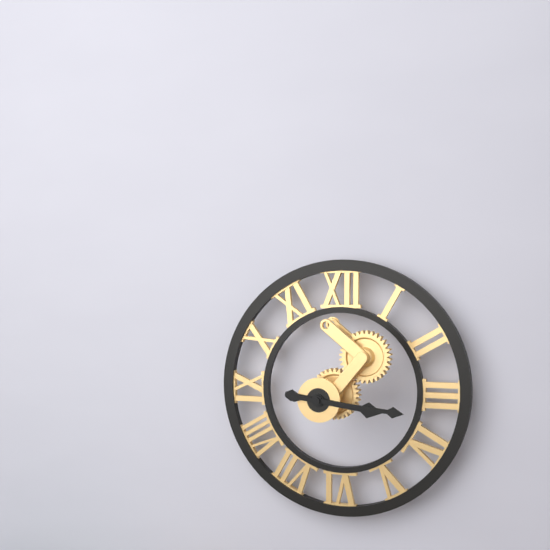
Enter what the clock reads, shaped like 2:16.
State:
3:16
